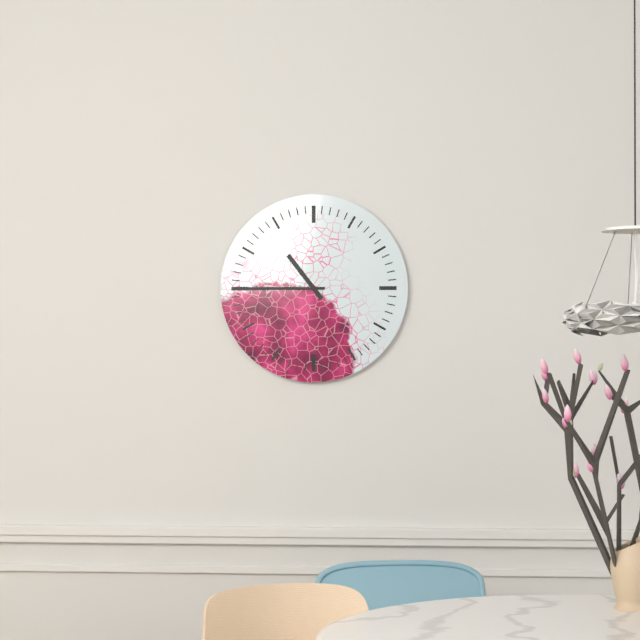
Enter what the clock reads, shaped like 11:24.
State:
10:45
